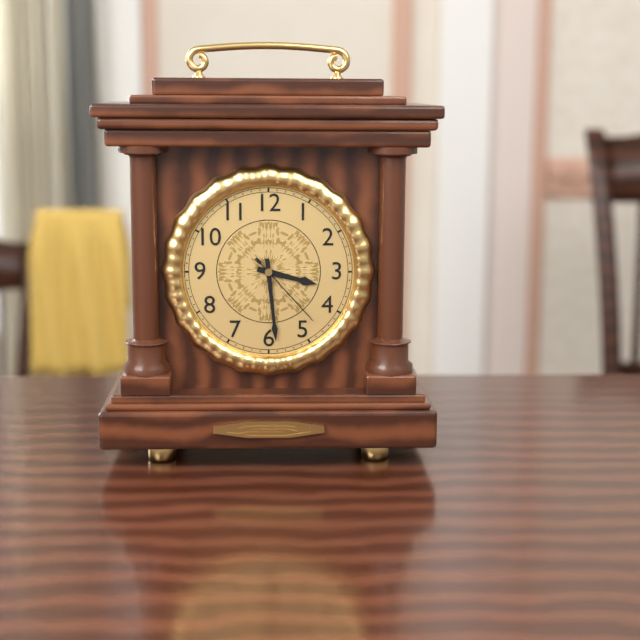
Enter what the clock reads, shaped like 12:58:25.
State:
3:29:23
